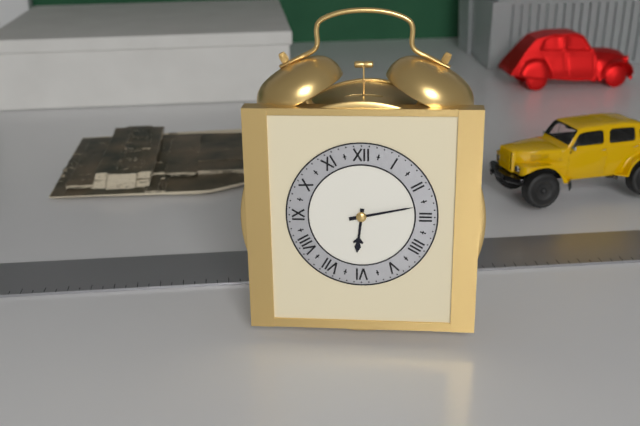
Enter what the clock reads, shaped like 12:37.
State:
6:13
